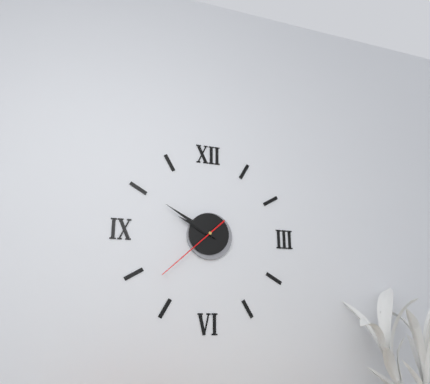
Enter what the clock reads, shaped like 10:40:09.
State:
9:50:38
